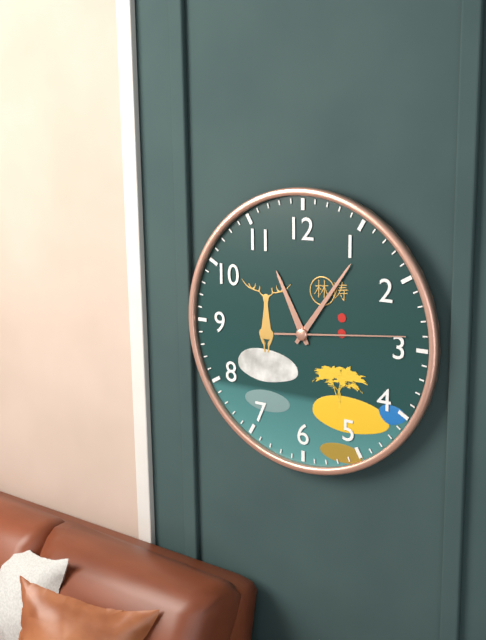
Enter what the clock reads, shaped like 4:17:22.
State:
11:06:14
